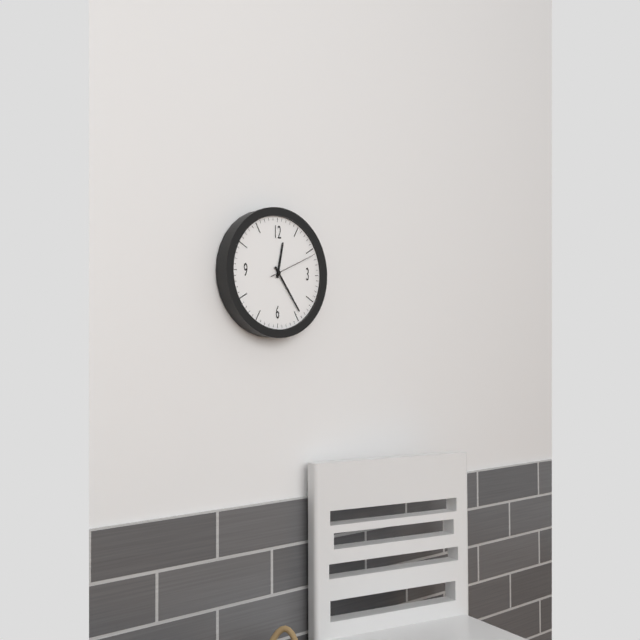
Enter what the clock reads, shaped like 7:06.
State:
12:24
